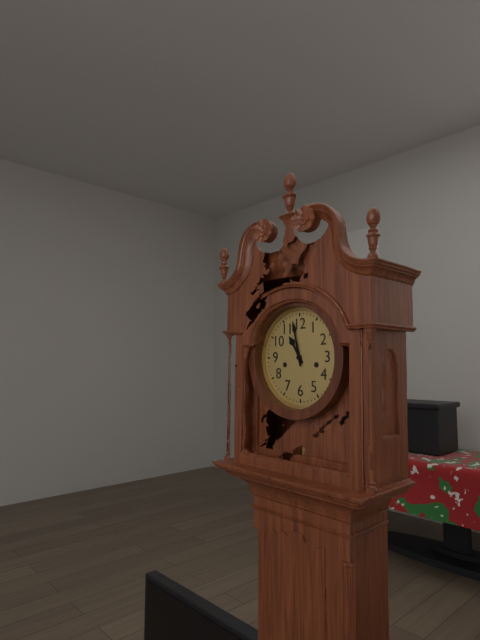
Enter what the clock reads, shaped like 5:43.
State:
10:58
